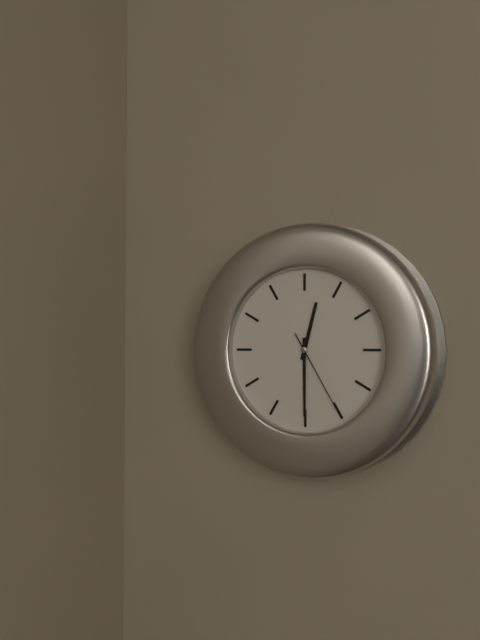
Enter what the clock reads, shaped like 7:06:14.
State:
12:30:25
